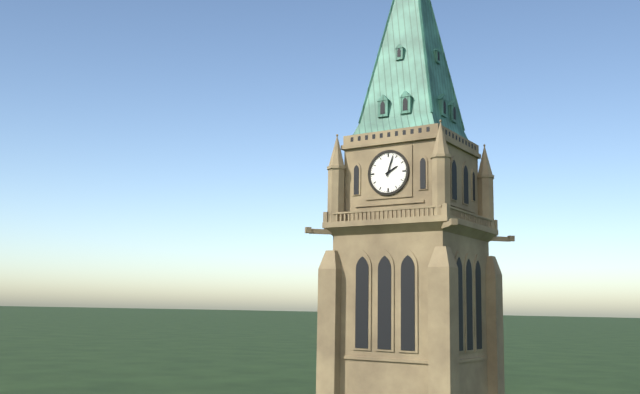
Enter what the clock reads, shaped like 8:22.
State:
2:03
